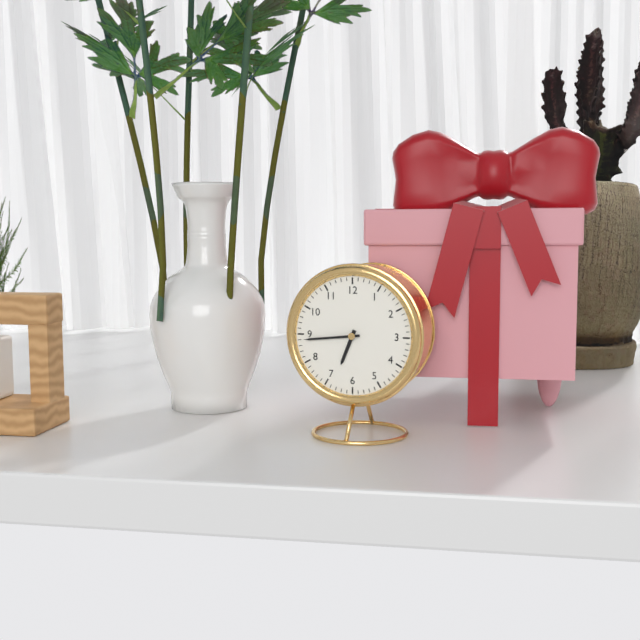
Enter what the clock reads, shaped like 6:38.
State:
6:44
